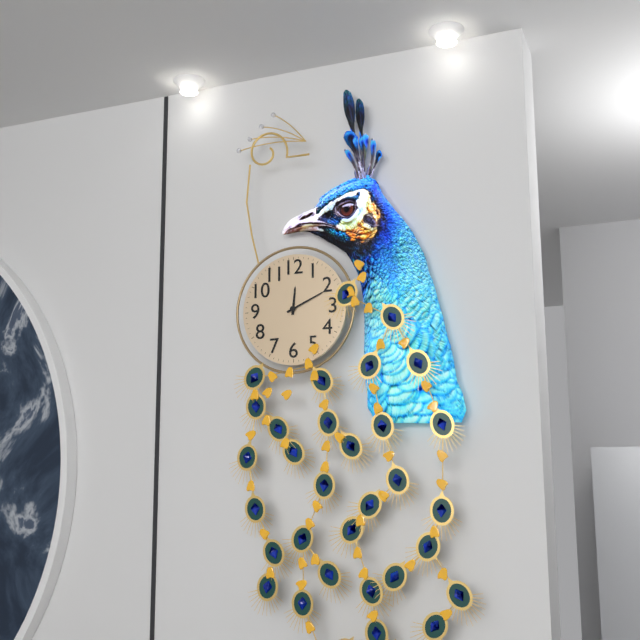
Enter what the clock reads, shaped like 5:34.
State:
12:11
